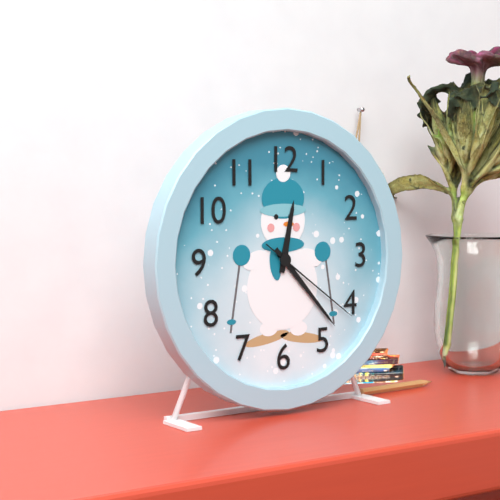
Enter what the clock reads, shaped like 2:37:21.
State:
12:23:21
